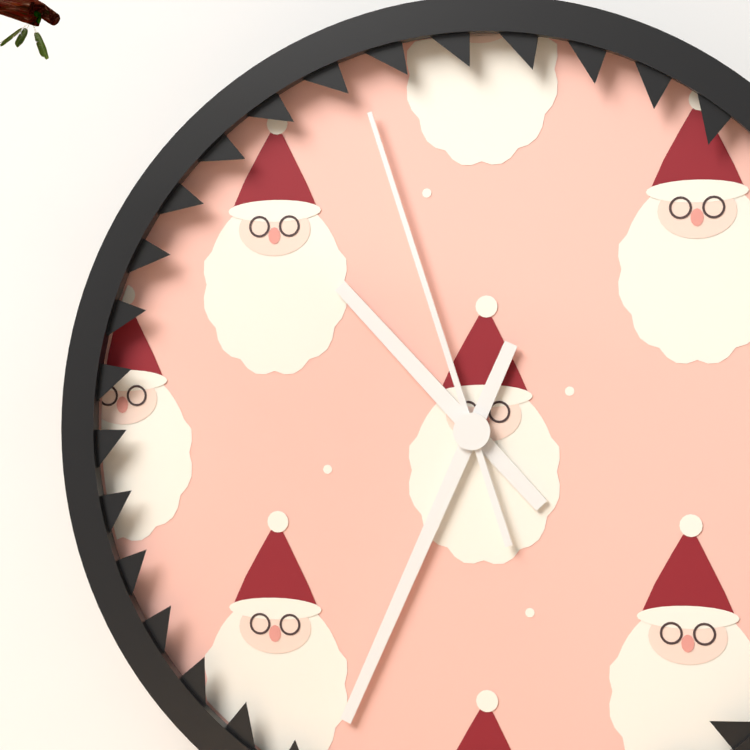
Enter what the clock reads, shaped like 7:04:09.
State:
10:34:57
